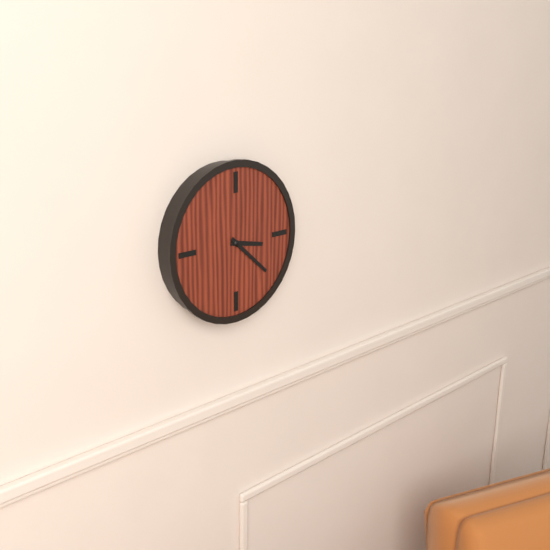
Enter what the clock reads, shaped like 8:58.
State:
3:22
